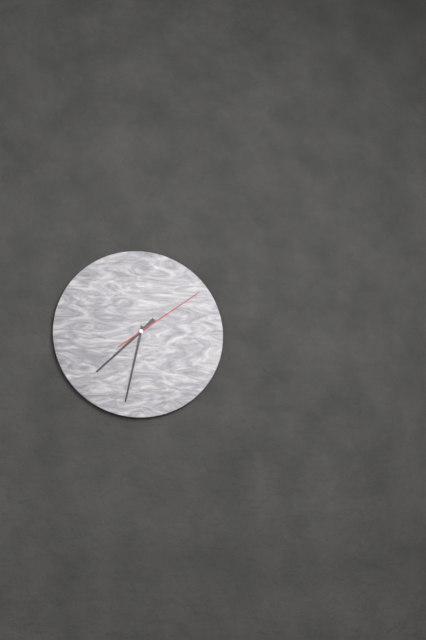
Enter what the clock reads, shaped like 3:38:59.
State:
7:32:09
